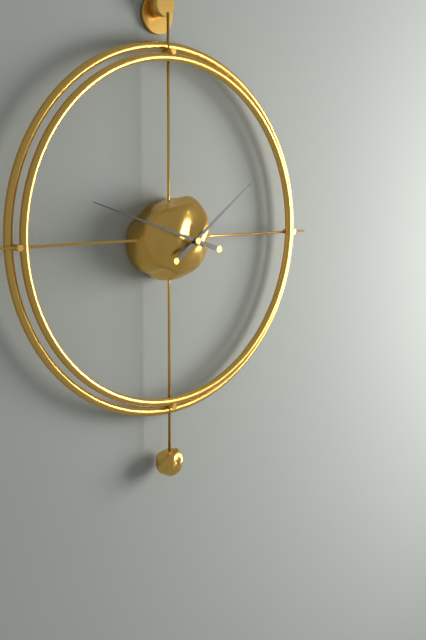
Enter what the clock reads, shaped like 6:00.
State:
1:48
